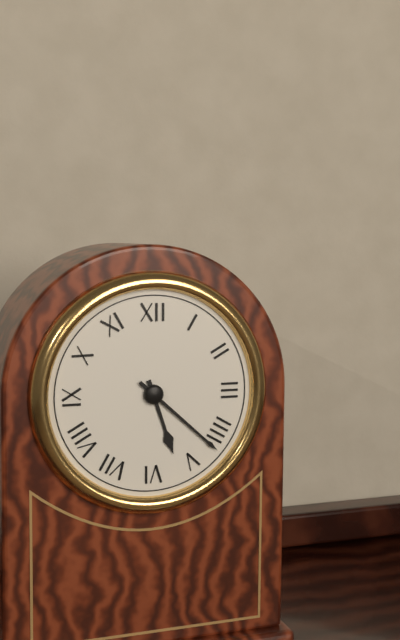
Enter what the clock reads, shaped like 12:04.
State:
5:22
